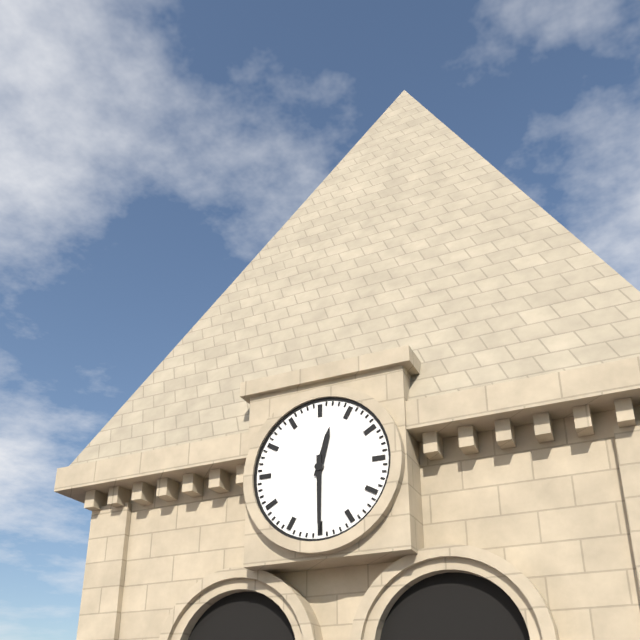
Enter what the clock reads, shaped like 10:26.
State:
12:30
